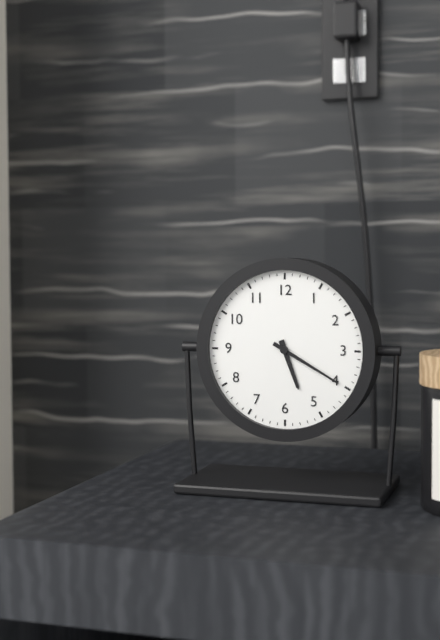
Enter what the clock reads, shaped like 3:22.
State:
5:20
